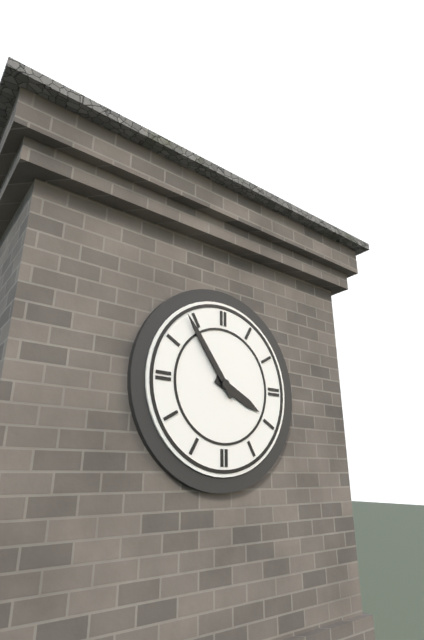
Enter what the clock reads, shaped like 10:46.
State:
3:54
